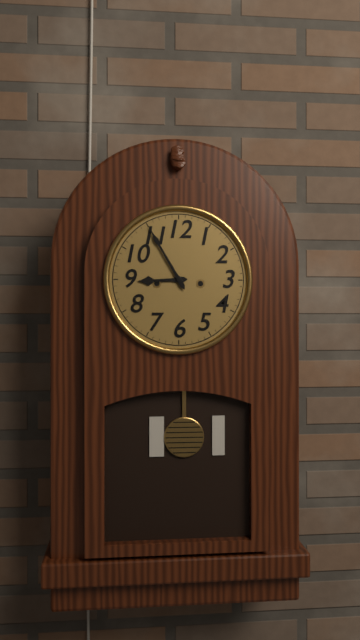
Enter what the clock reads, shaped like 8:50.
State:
8:55
